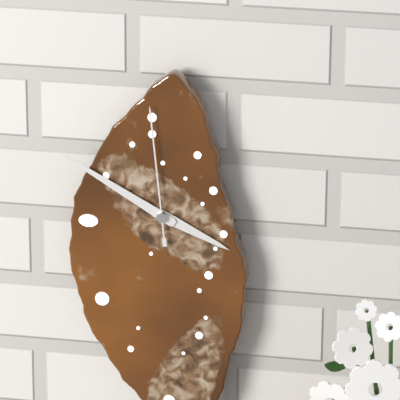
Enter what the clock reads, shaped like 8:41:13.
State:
3:50:59
